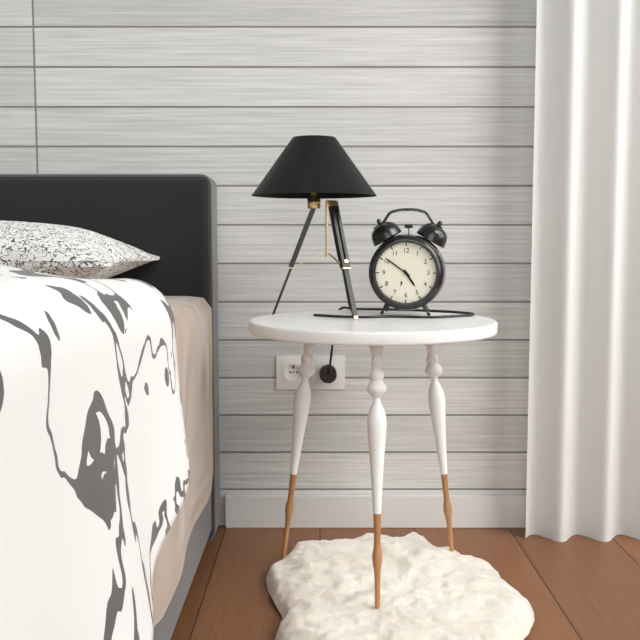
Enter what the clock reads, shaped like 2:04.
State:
4:51
